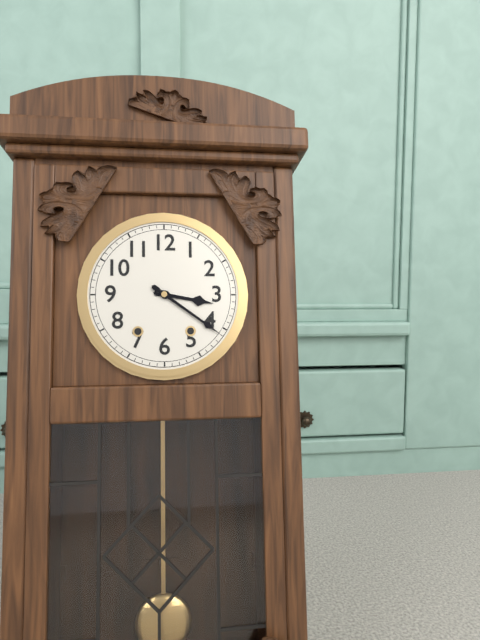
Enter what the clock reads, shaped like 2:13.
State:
3:21
